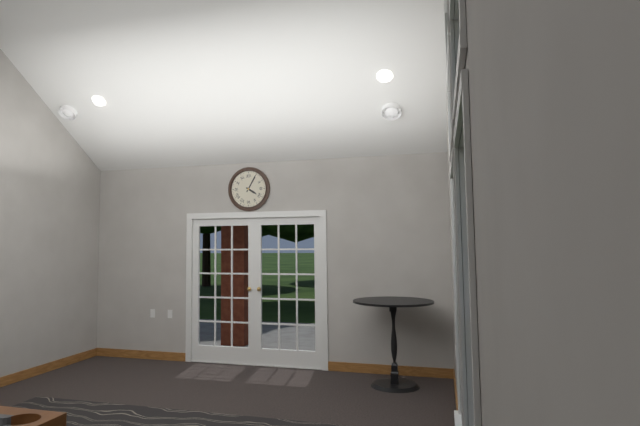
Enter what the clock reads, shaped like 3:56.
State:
4:05
